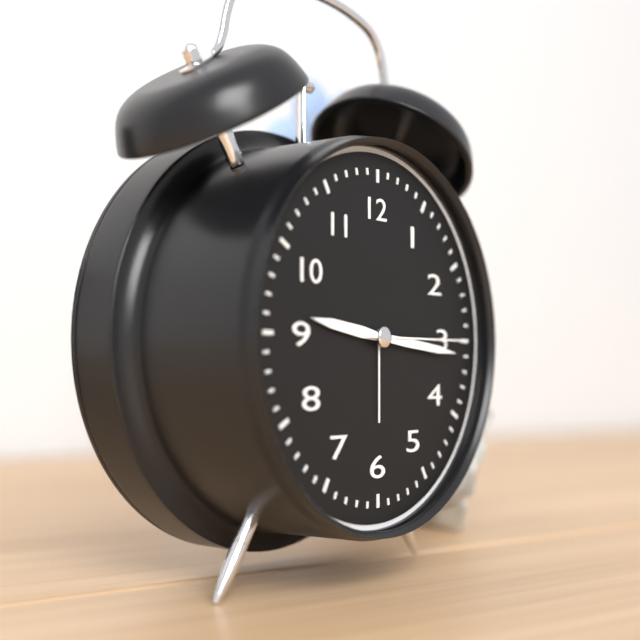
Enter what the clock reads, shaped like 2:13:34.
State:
9:16:15
